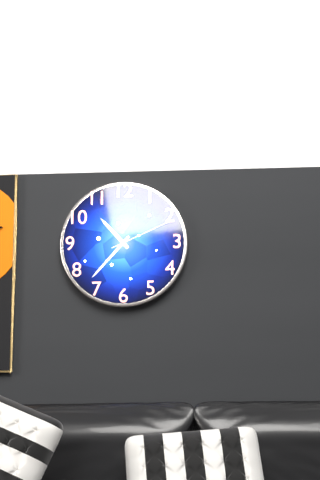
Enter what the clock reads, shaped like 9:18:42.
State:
10:37:11
